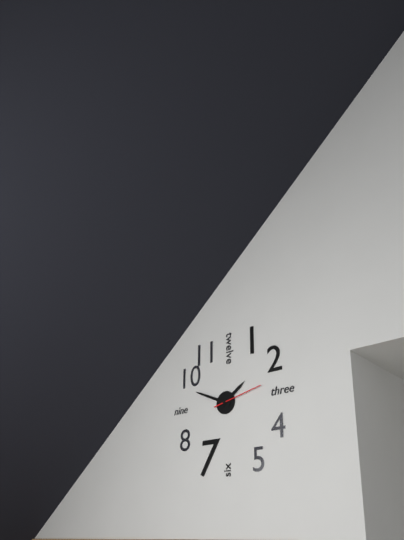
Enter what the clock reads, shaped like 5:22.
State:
1:49
